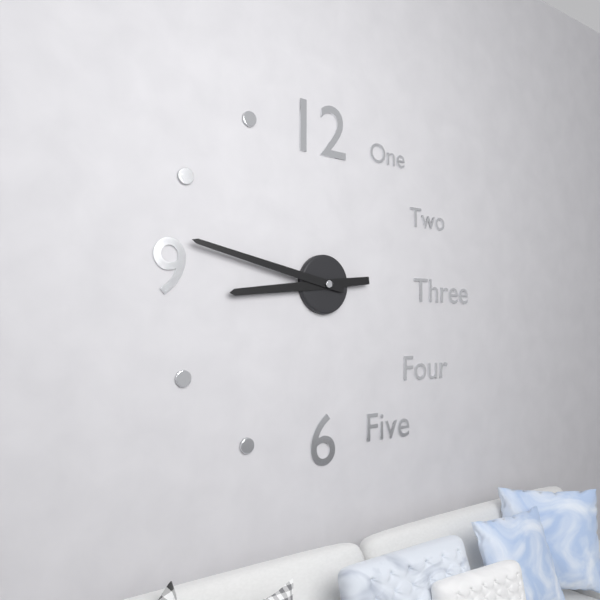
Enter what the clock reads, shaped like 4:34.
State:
8:47
